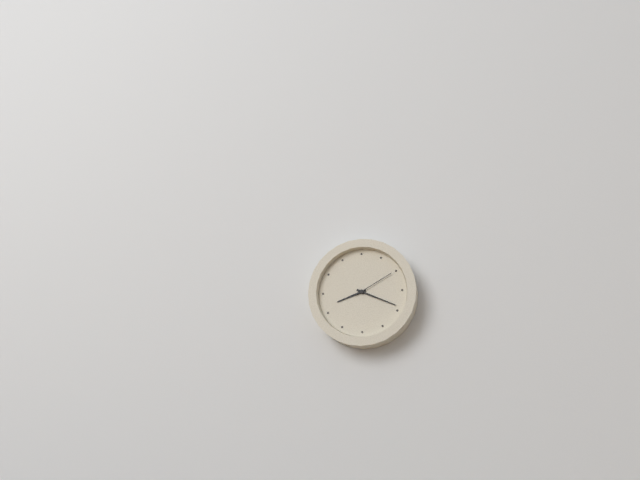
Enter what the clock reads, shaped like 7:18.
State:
8:19
